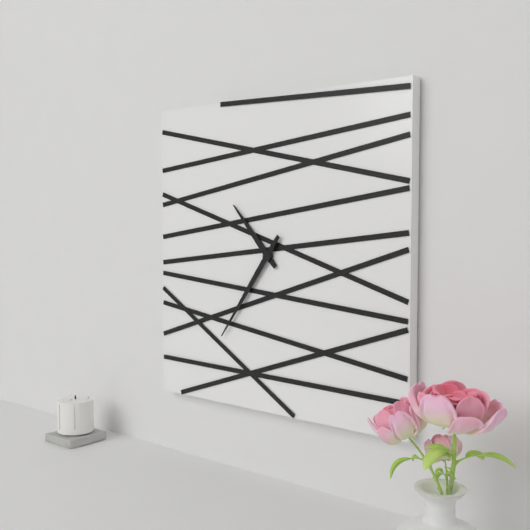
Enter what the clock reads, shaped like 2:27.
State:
10:36
